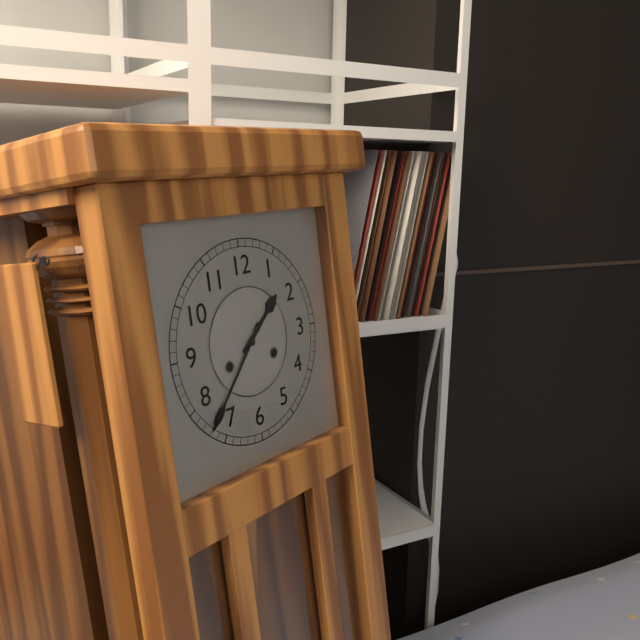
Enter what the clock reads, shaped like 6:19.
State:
1:37
